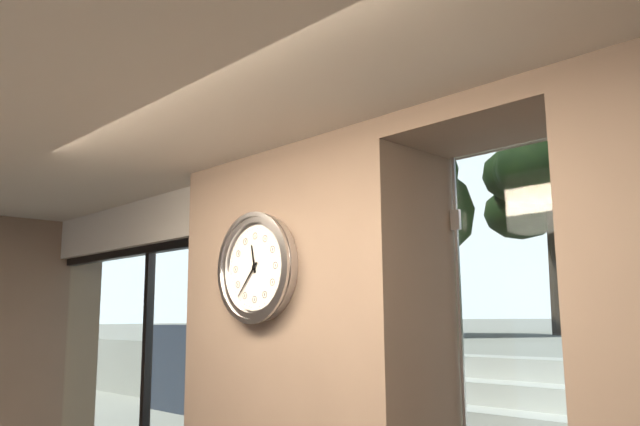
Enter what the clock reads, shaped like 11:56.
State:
11:37
